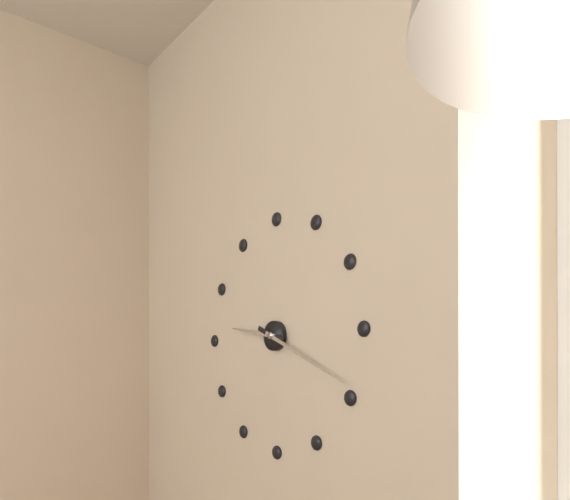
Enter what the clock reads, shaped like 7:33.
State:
9:19
